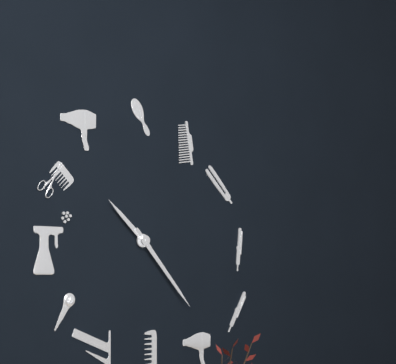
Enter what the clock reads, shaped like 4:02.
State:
10:23
